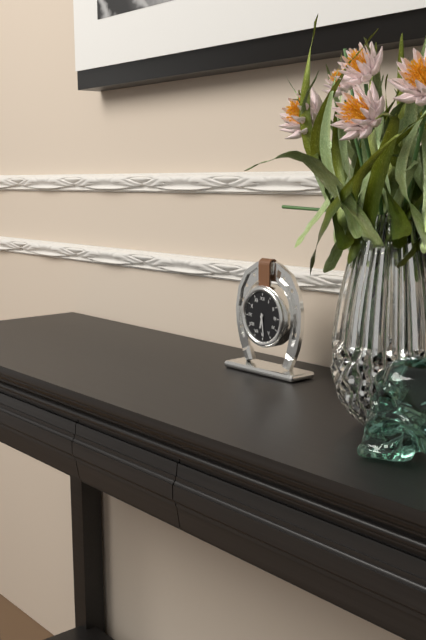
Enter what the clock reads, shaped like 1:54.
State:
6:29
